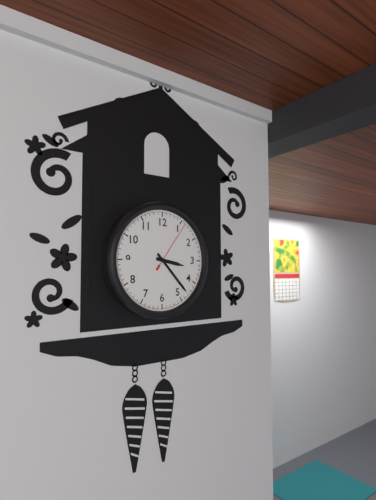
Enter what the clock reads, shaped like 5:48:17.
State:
3:23:06
